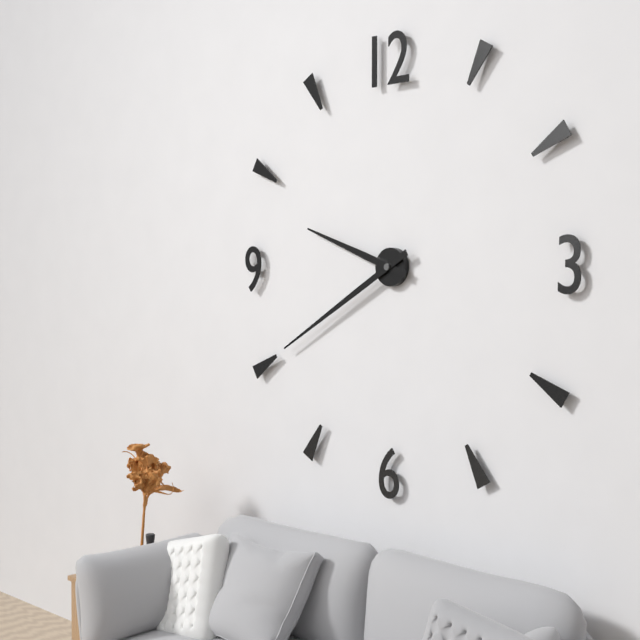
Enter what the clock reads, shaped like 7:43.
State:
9:40
